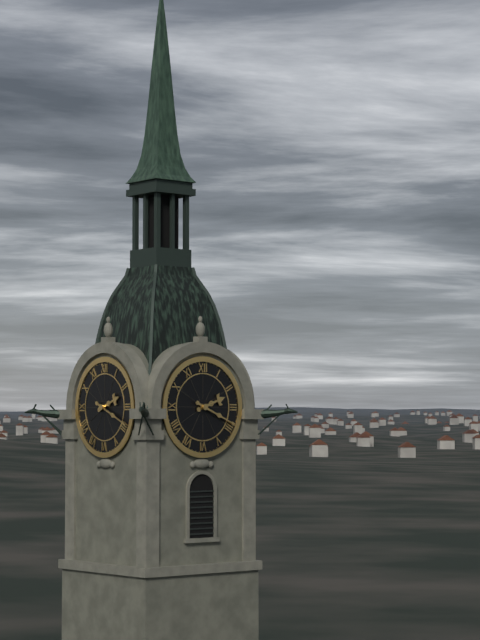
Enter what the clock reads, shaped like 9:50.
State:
2:19
